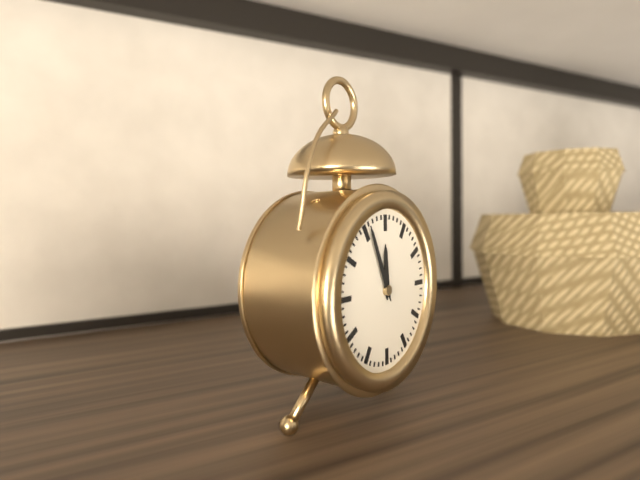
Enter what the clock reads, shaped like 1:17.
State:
11:56
